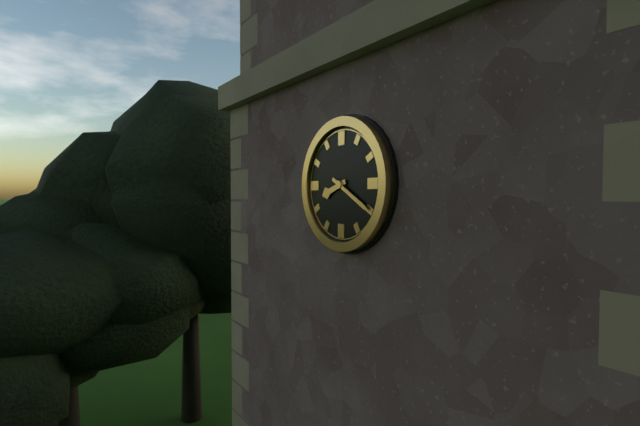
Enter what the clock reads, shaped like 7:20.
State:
8:20
